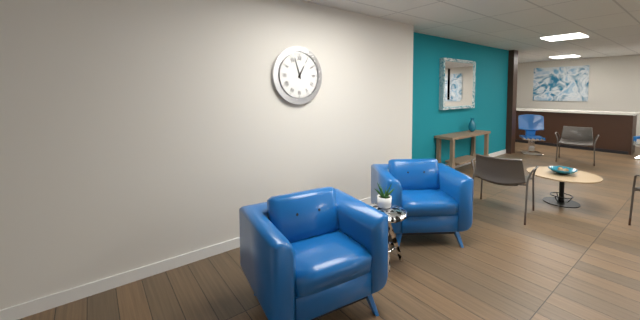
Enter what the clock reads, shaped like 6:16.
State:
12:57
